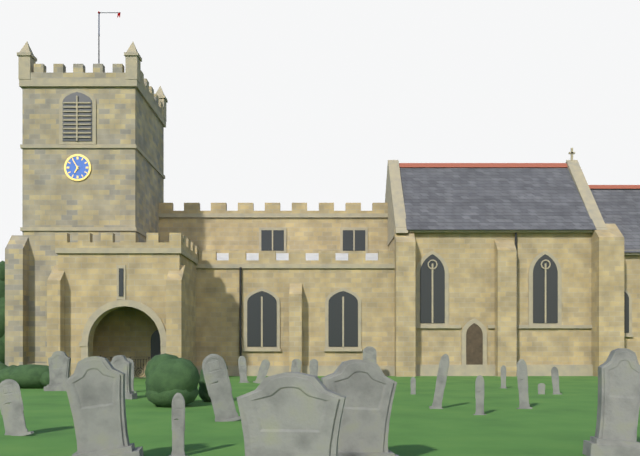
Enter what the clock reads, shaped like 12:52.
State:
6:55
